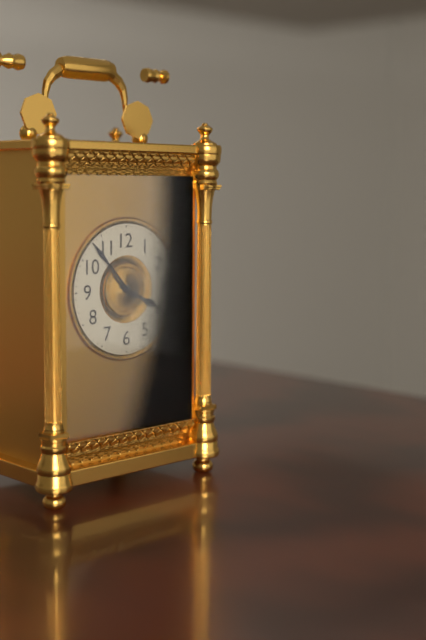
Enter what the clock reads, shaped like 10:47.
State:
3:53
